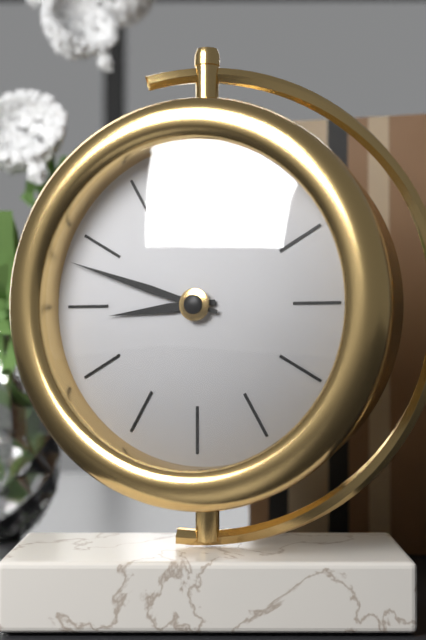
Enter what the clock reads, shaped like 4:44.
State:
8:48
